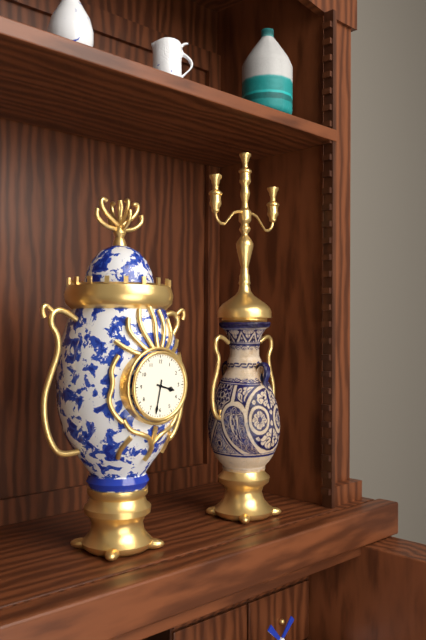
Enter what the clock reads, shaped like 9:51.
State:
3:32
